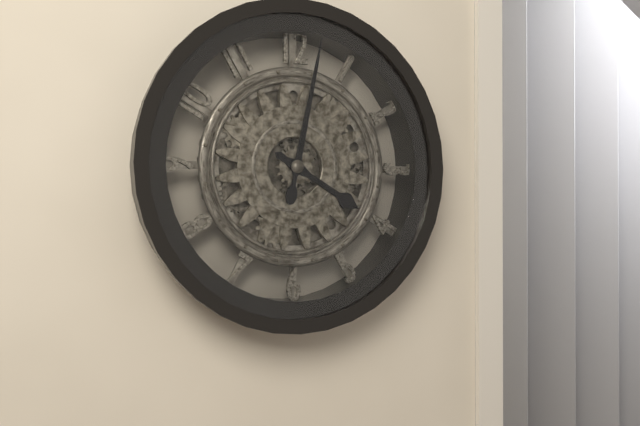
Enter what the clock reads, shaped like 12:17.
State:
4:02
